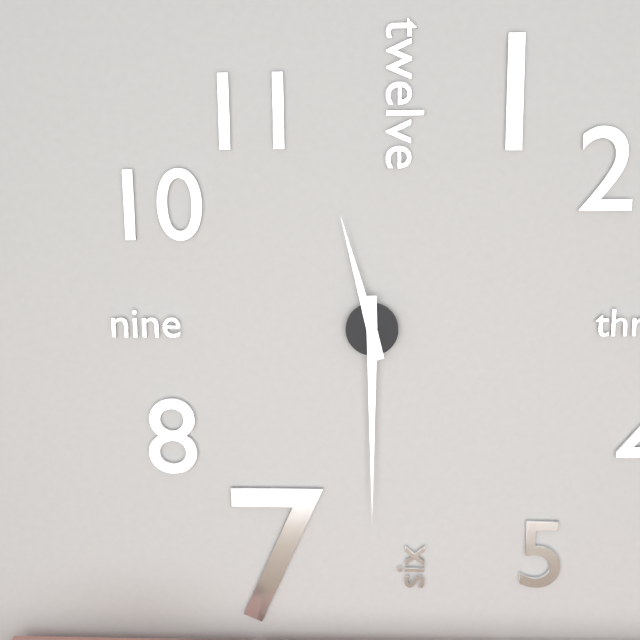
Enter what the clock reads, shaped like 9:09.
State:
11:30
